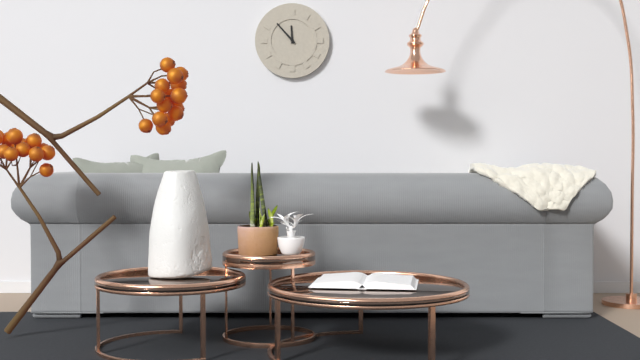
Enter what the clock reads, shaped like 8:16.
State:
11:53
